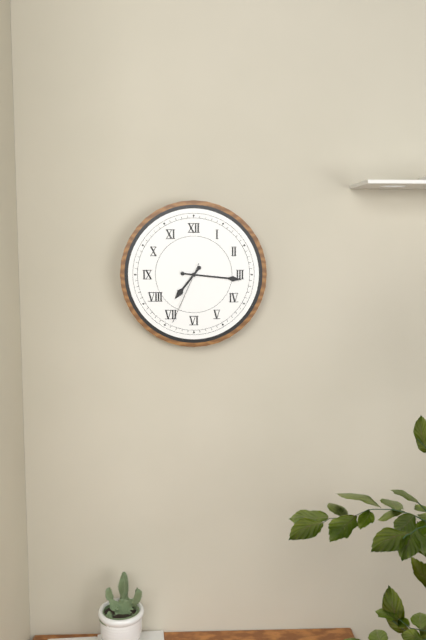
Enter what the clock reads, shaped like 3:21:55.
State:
7:16:34
